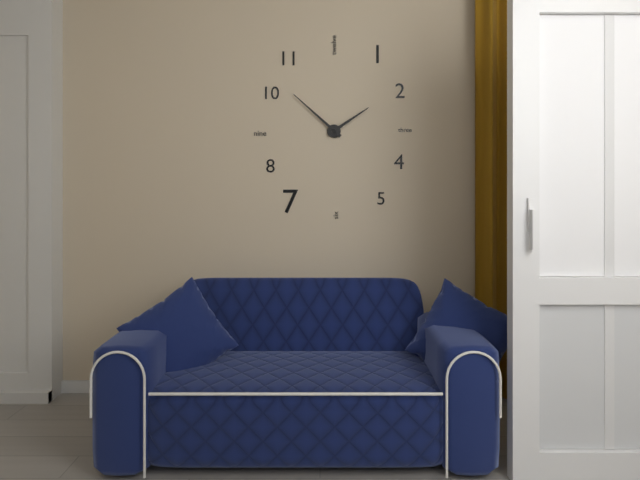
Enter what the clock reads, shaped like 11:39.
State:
1:52
